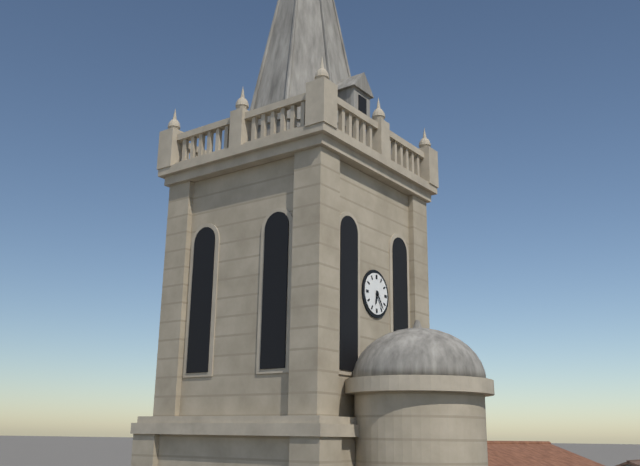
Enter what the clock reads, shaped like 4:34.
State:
6:24
